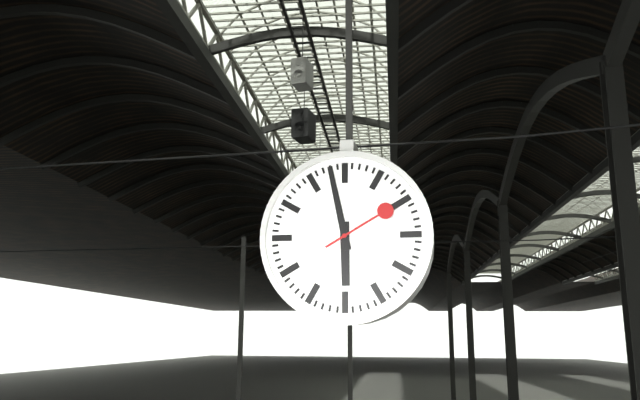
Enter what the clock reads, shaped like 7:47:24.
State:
5:58:10
